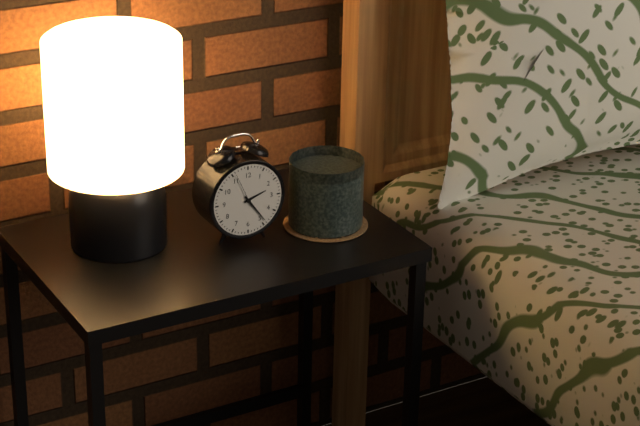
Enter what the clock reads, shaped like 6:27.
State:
2:24
